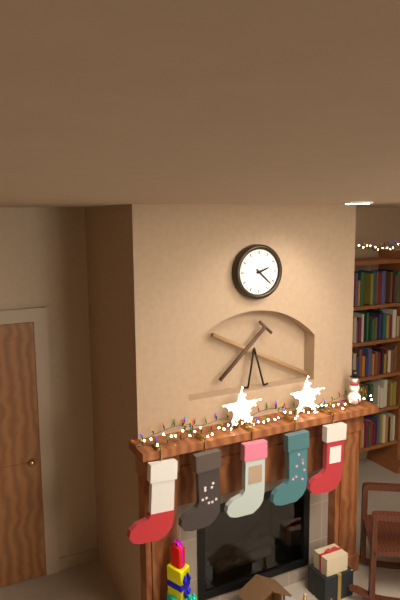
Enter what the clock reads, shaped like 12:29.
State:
2:22
